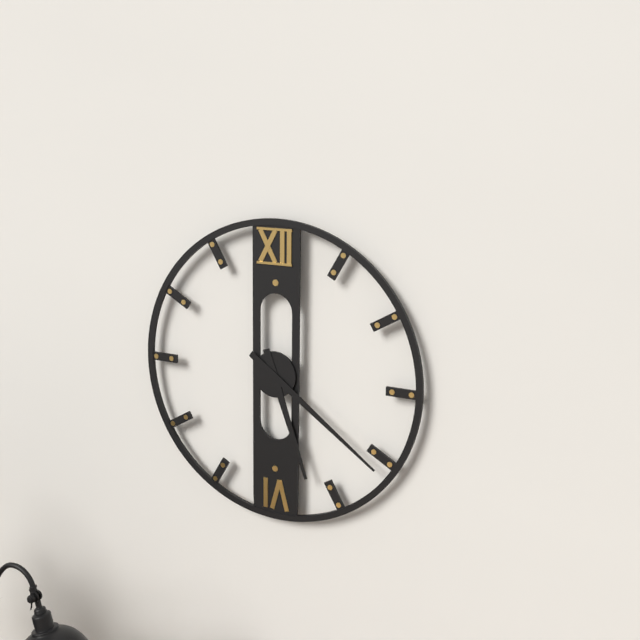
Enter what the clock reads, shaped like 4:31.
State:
5:21
